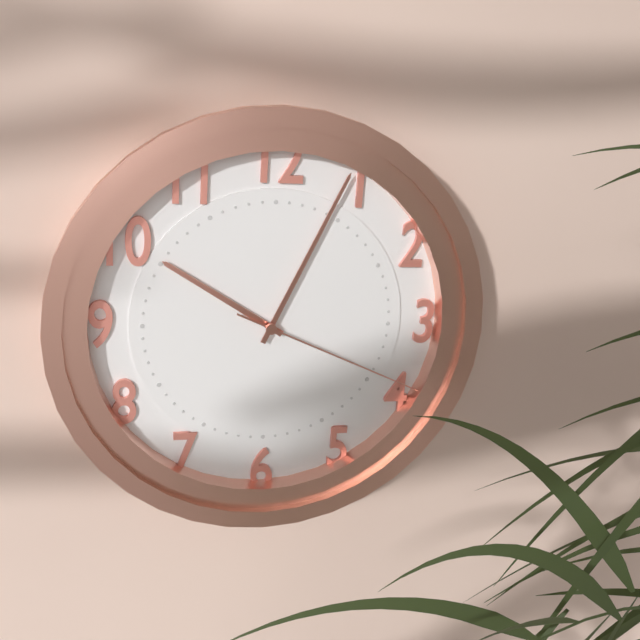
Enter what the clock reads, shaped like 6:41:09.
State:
10:04:19
